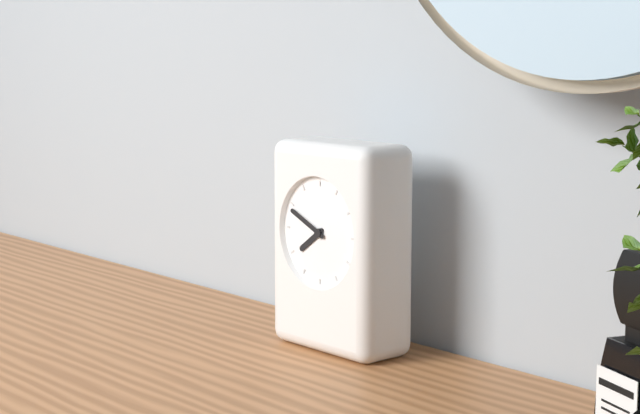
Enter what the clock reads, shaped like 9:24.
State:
7:49
